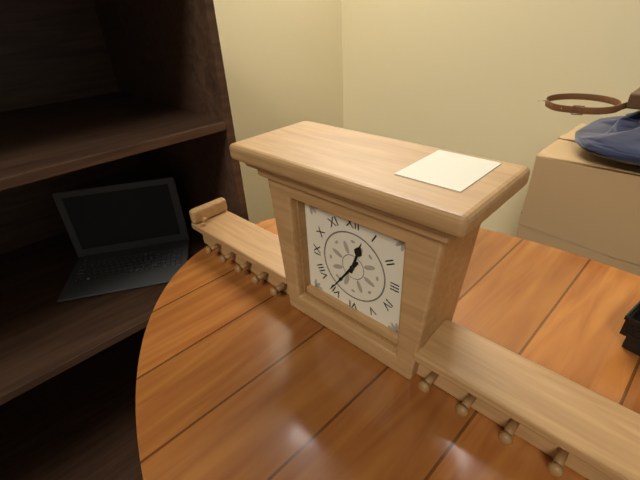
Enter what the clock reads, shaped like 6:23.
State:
12:36
